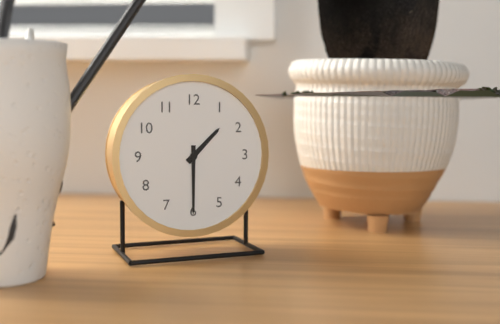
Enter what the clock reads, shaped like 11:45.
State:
1:30
